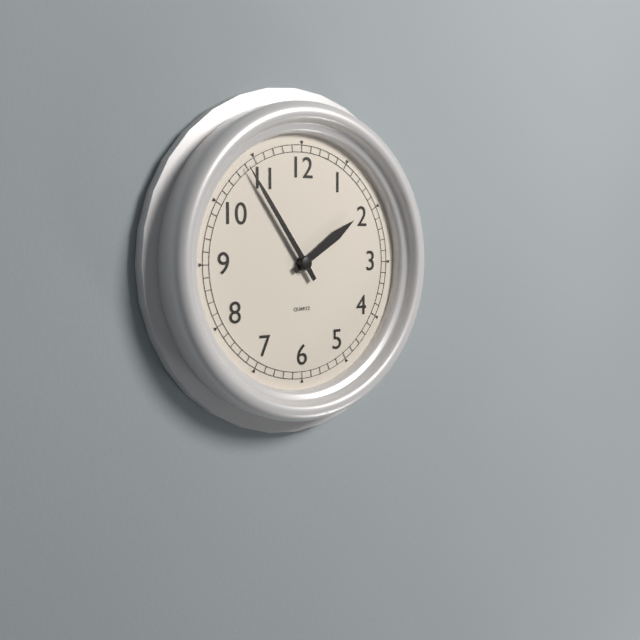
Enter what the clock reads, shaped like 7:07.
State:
1:54
